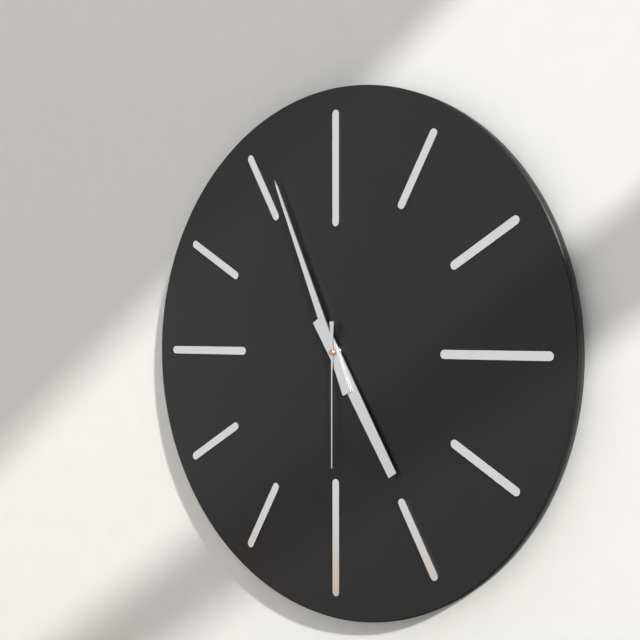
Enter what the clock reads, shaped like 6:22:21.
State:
4:56:30
